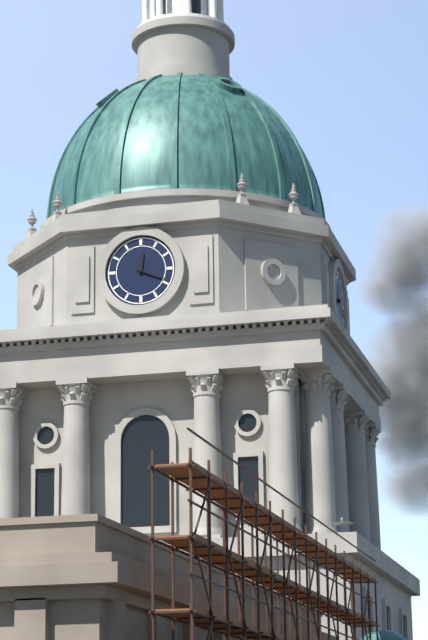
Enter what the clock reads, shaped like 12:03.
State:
12:19
